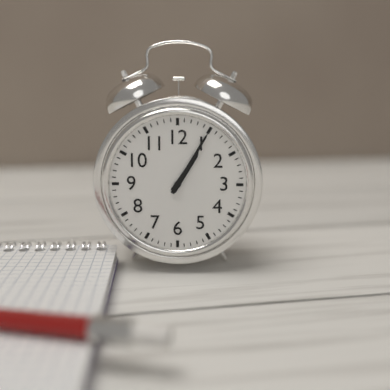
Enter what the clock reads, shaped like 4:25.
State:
1:05
